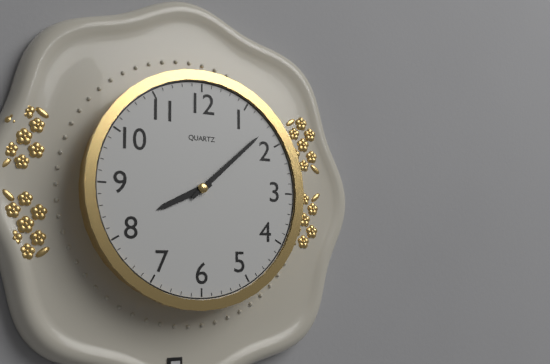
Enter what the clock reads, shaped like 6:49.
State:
8:08
